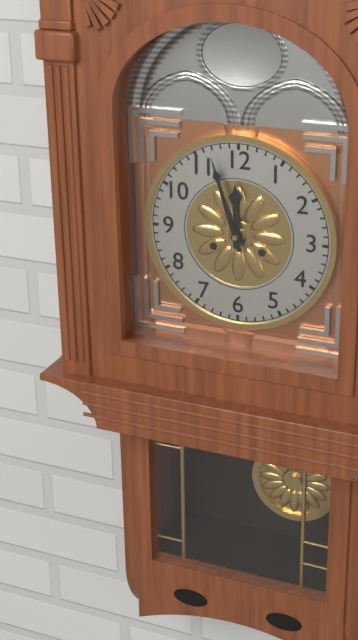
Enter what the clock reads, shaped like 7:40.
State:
11:57
